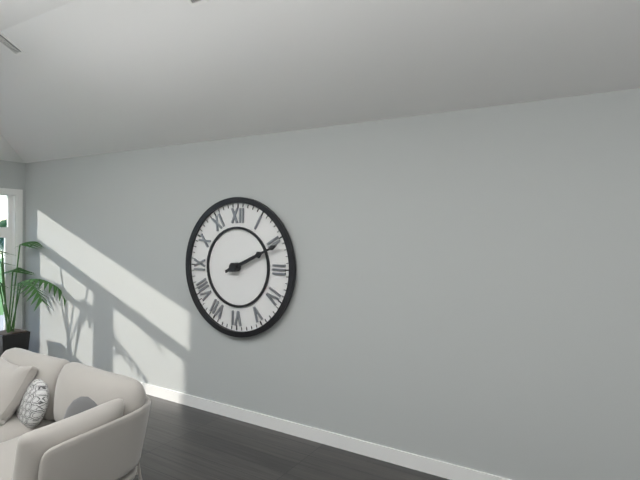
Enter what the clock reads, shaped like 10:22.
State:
2:11
